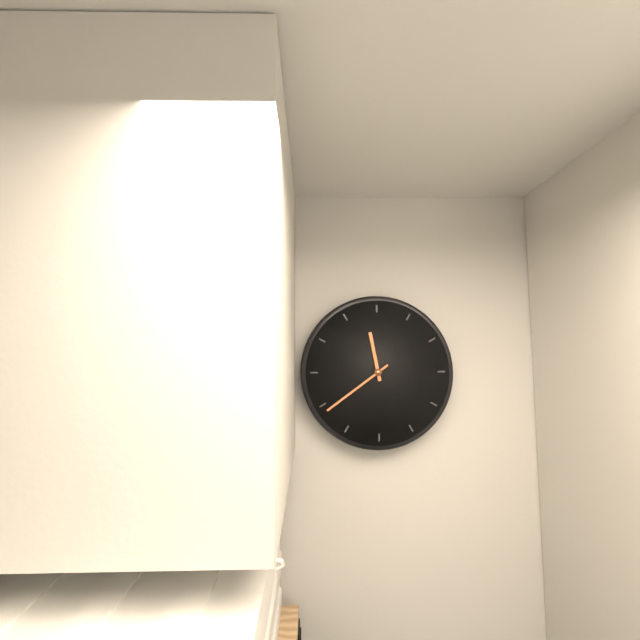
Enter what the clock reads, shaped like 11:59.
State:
11:39
